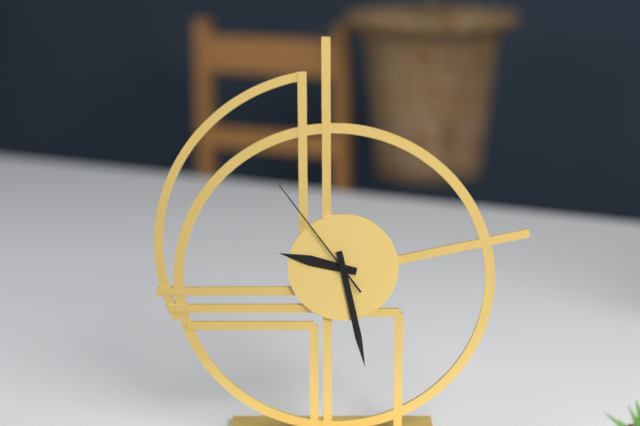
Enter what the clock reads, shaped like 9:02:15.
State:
9:28:54
